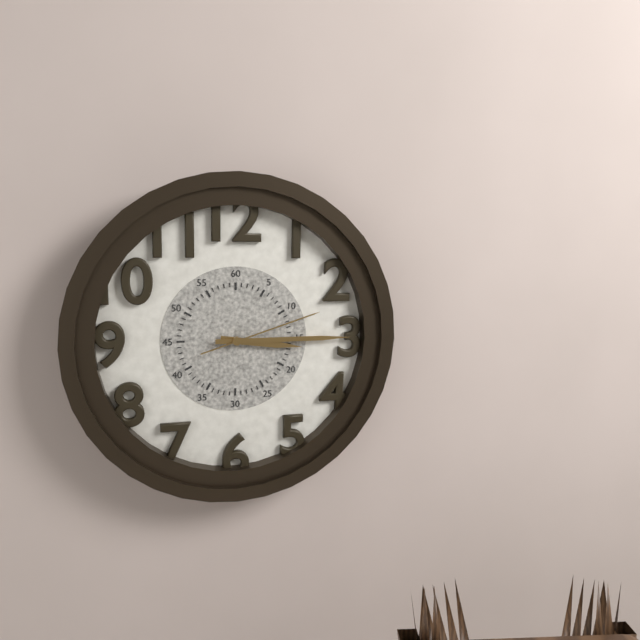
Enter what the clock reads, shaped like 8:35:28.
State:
3:15:12
